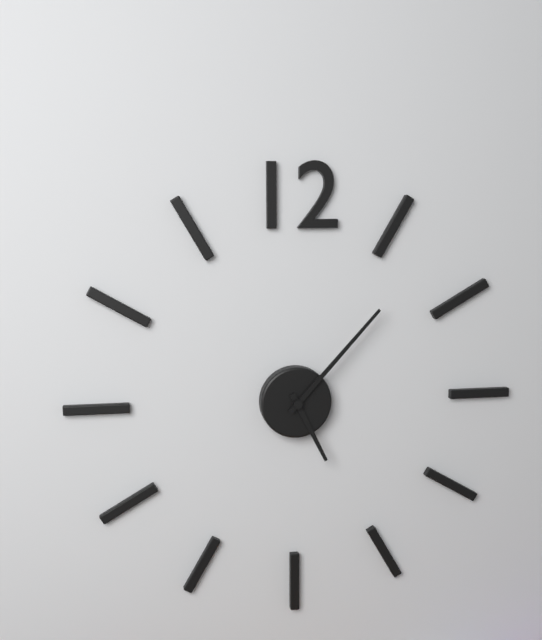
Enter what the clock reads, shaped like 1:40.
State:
5:07
